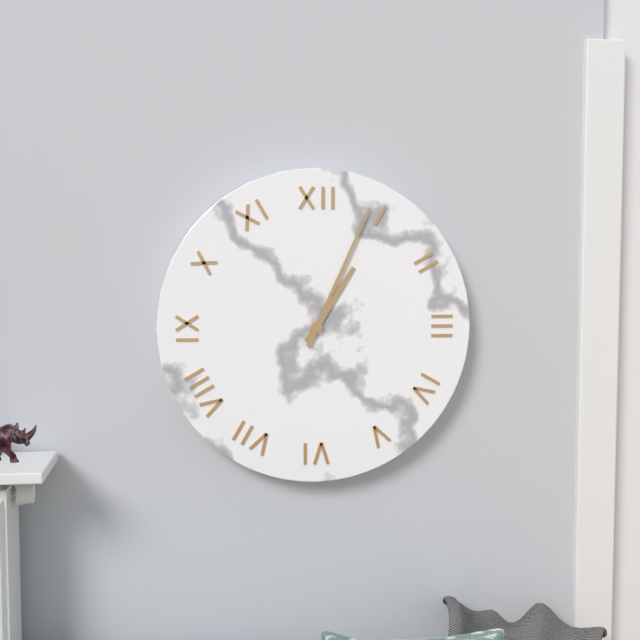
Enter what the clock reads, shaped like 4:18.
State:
1:04
